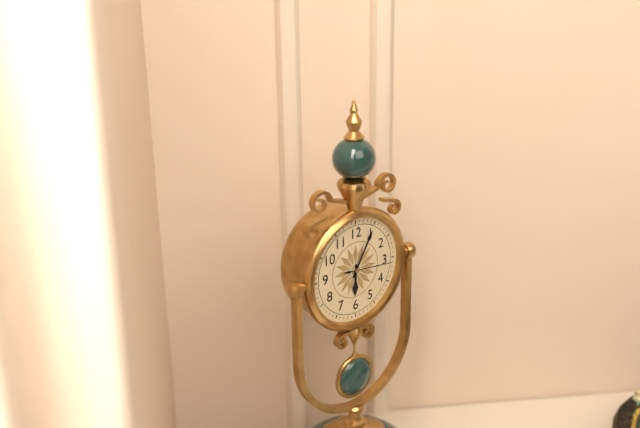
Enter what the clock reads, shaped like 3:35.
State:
6:05
